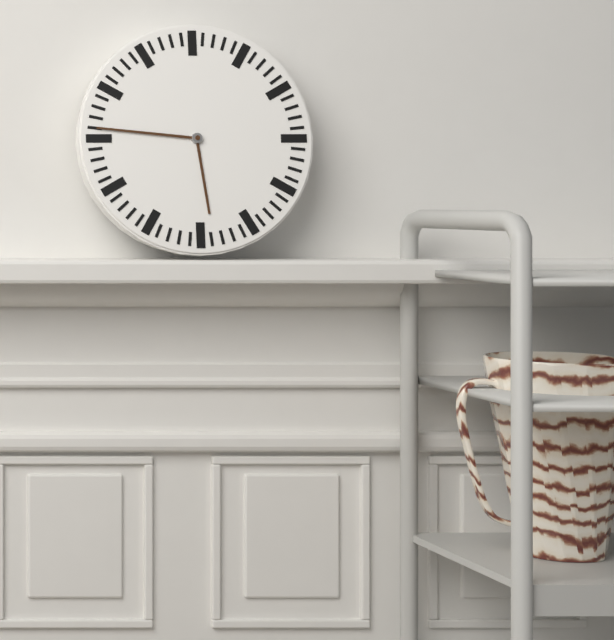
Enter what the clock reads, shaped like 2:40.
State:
5:46
